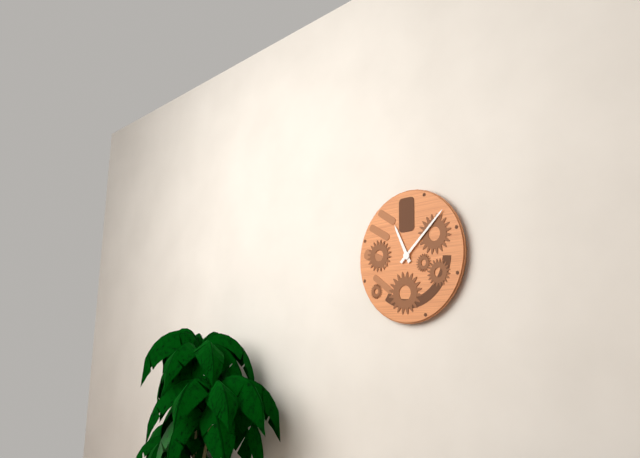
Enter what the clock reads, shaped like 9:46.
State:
11:08
